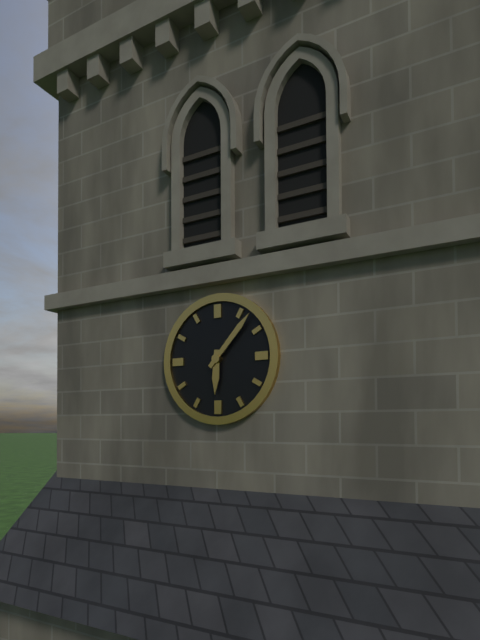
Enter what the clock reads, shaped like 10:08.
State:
6:07
